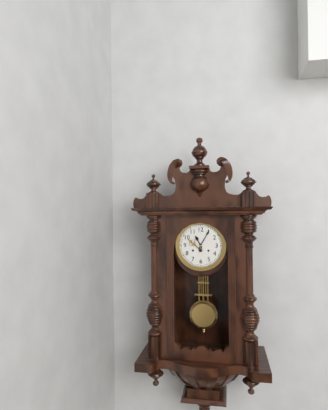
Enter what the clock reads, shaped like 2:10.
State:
11:05
